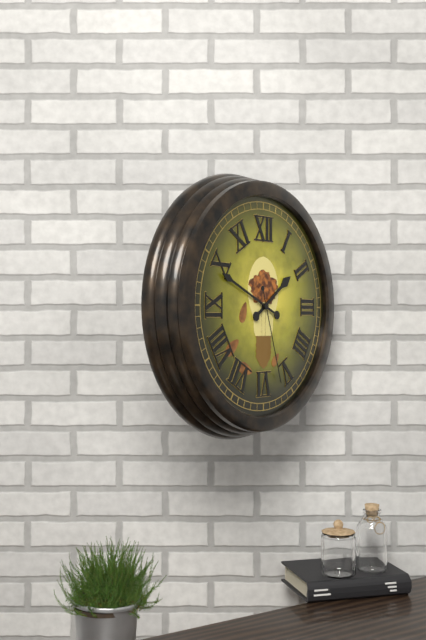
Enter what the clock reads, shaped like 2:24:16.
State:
1:49:27
